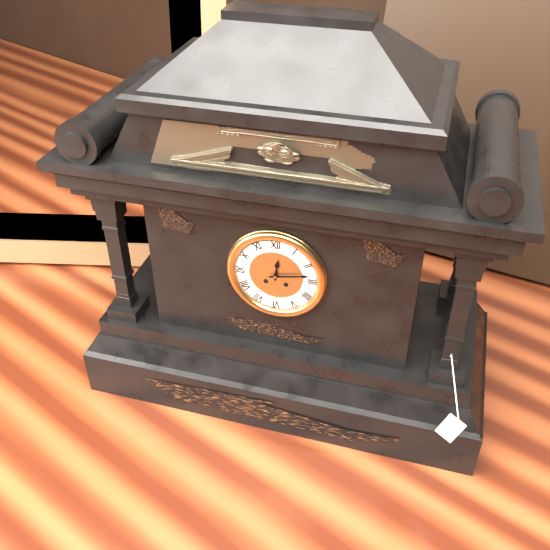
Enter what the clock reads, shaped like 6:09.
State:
12:13
